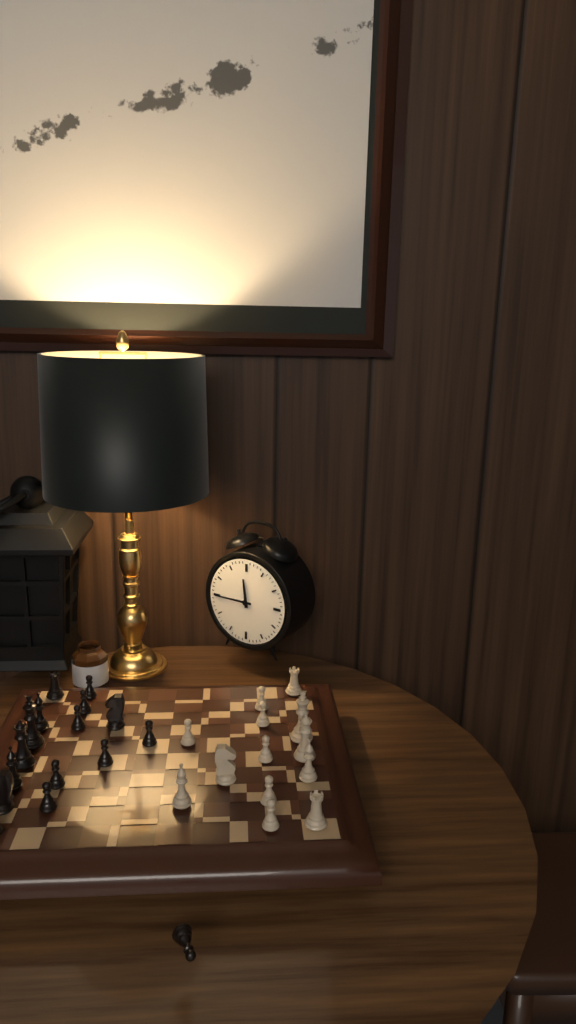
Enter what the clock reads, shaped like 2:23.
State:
11:45
